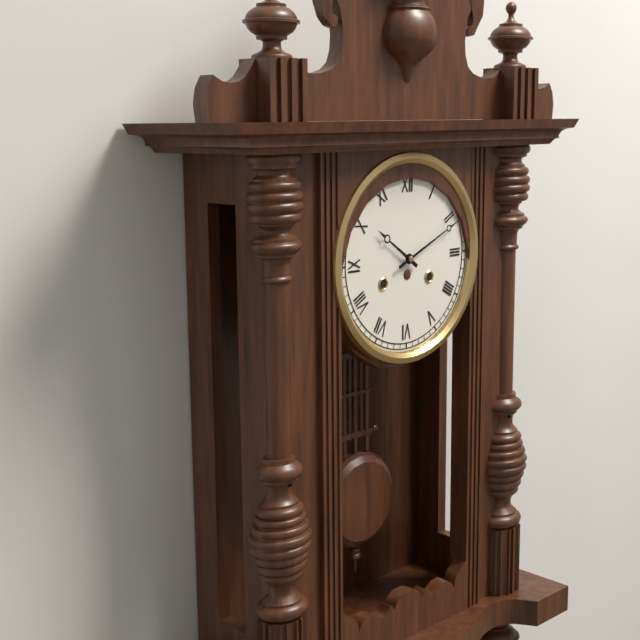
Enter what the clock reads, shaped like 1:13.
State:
10:11
